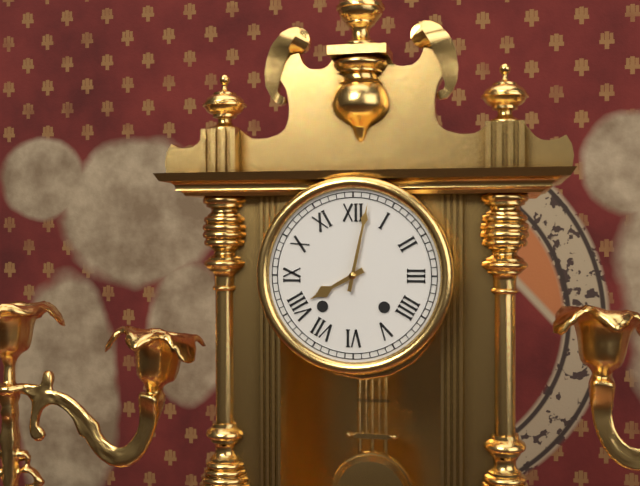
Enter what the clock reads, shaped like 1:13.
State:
8:02
